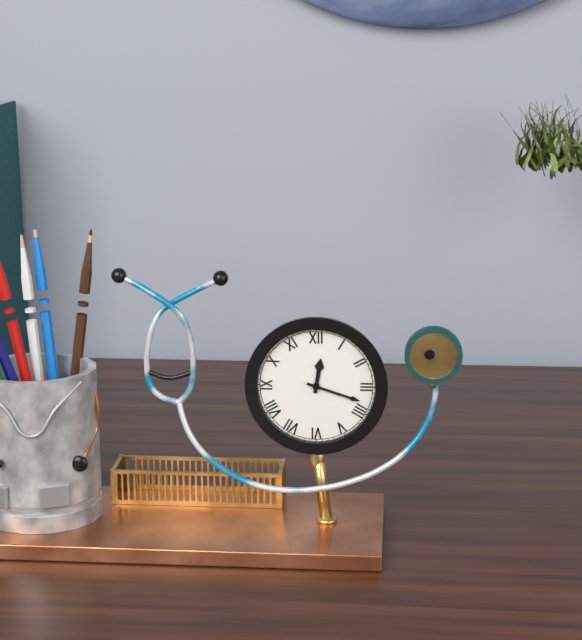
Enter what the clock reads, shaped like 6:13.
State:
12:18
